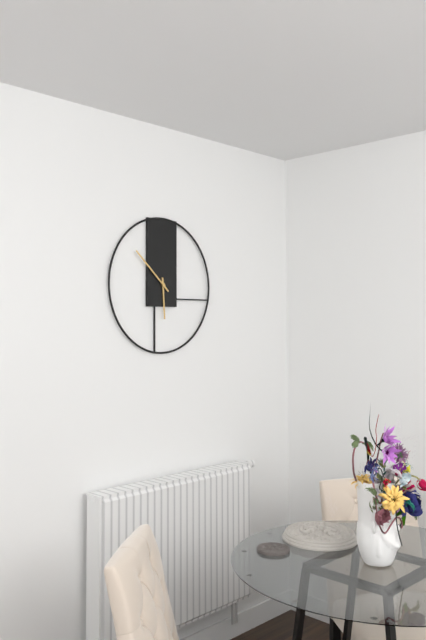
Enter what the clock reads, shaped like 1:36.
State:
5:52
